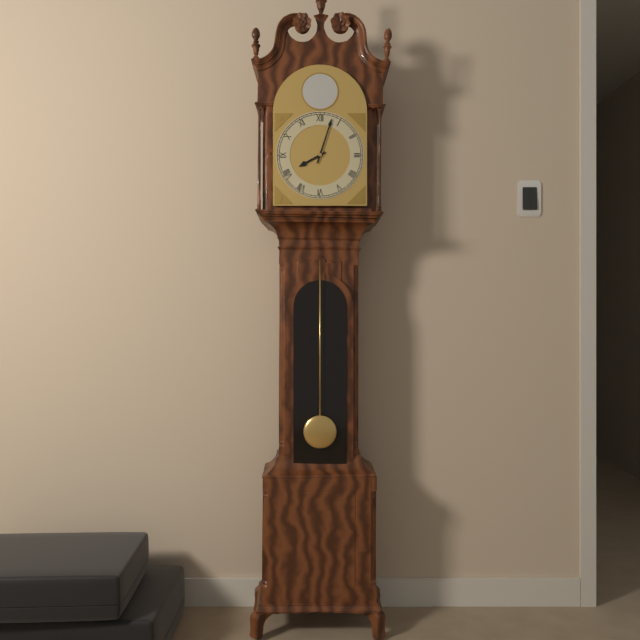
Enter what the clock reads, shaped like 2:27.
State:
8:03
